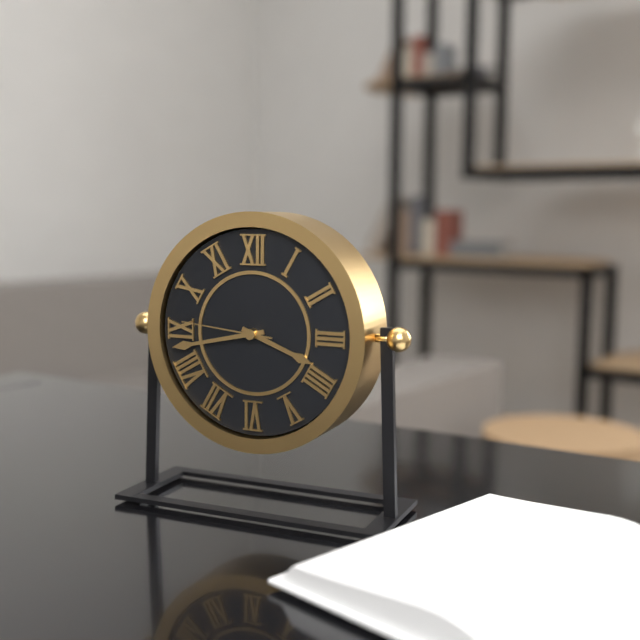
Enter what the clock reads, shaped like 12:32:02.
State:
3:43:46
